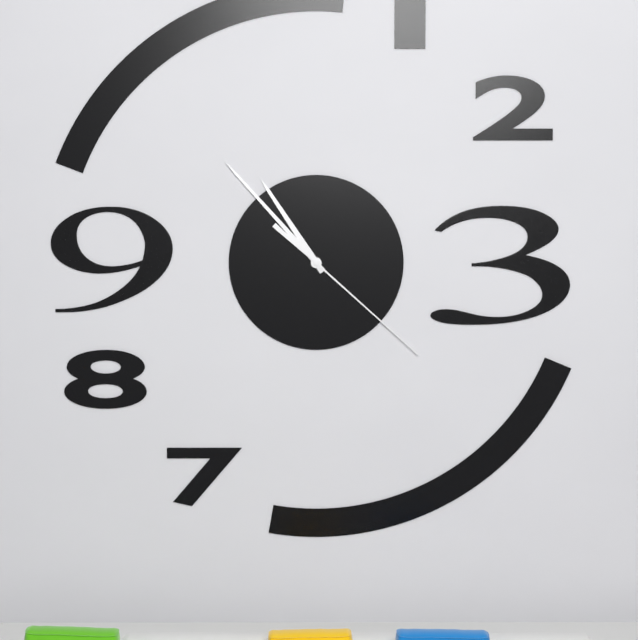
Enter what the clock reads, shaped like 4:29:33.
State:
10:53:22
